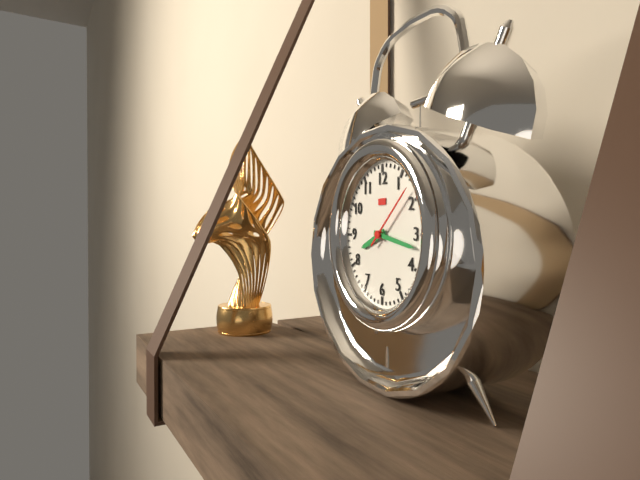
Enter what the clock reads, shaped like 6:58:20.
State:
8:17:08
